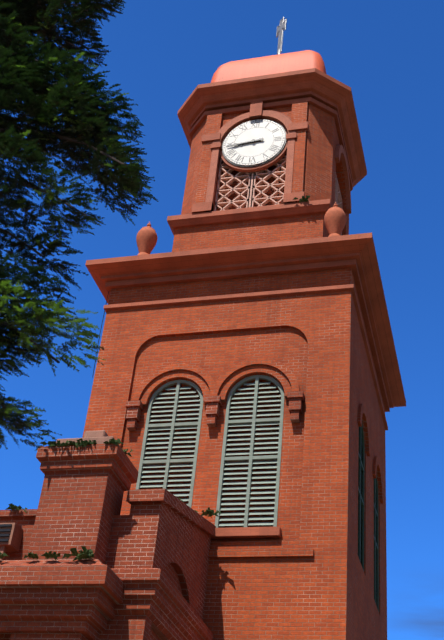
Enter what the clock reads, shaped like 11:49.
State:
8:44
